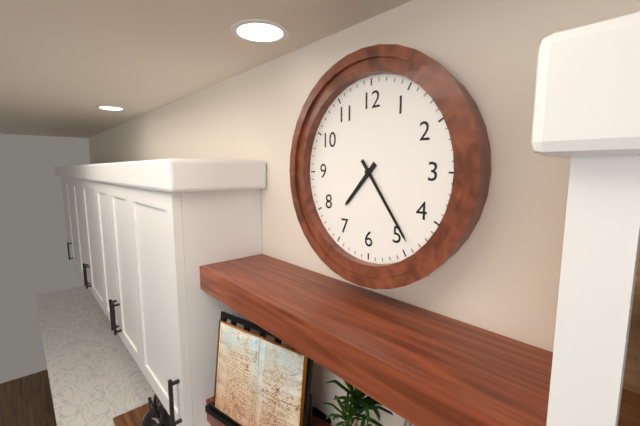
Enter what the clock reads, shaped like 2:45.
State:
7:24
